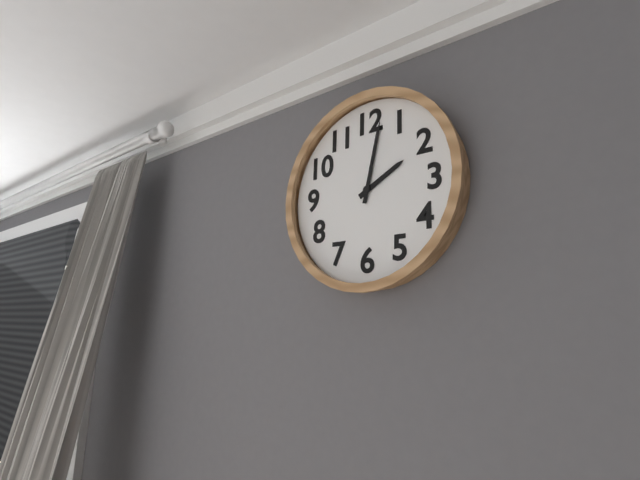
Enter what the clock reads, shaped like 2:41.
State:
2:02
